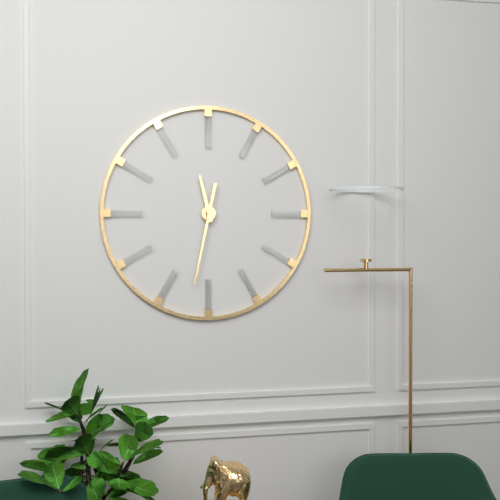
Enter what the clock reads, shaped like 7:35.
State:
11:32
